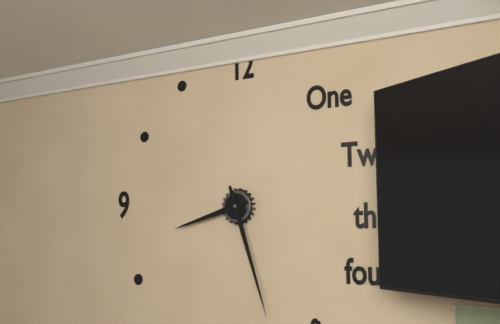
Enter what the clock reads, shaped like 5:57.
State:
8:27
